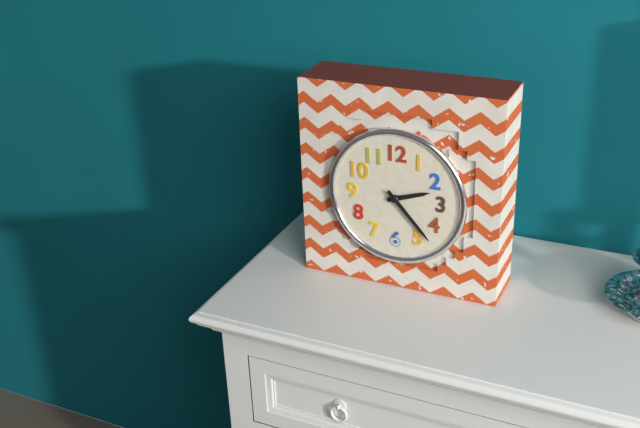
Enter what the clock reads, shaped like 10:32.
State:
2:23
